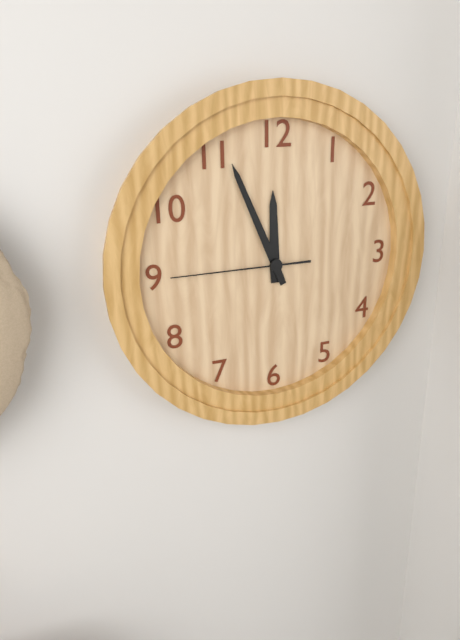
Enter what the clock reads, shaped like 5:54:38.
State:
11:56:45
